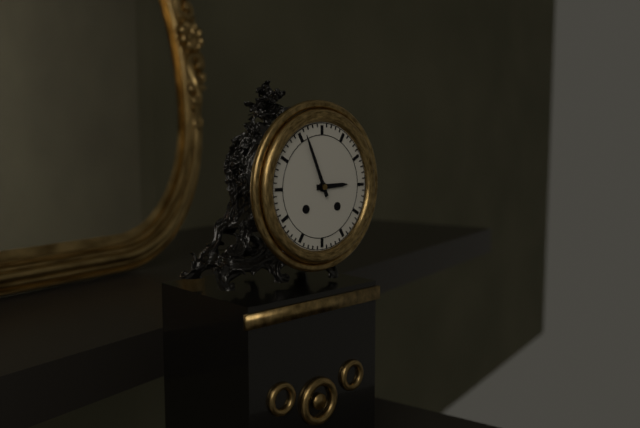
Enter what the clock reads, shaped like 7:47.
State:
2:56
